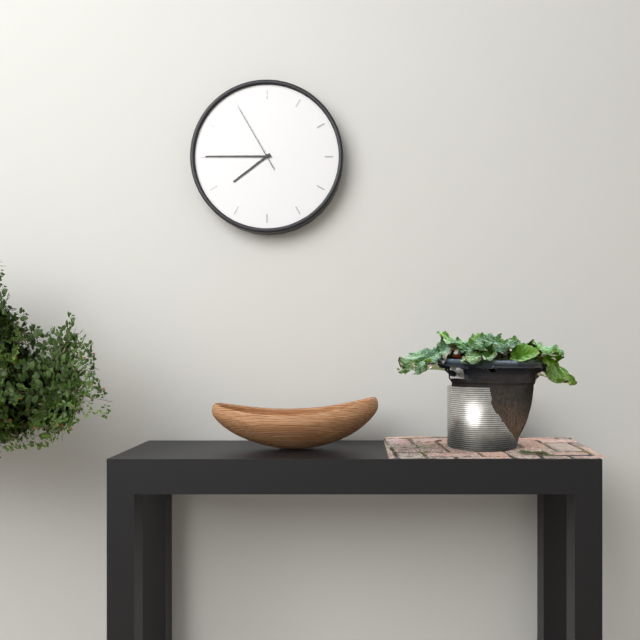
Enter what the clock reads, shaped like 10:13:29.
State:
7:45:55
